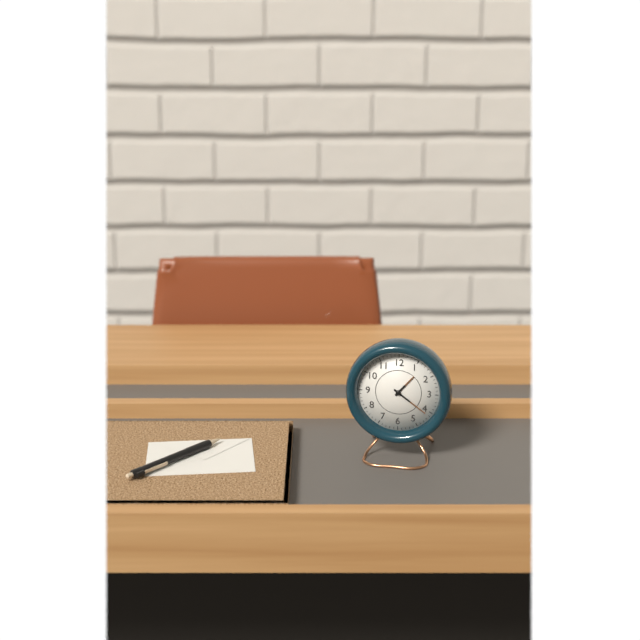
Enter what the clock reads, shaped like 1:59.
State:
1:21
